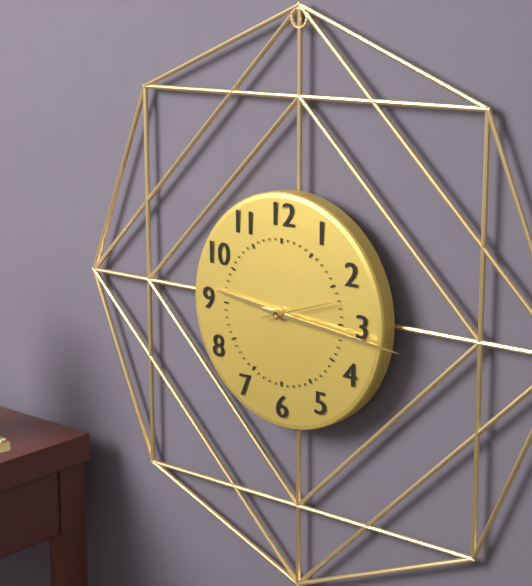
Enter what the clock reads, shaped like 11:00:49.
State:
9:16:12
